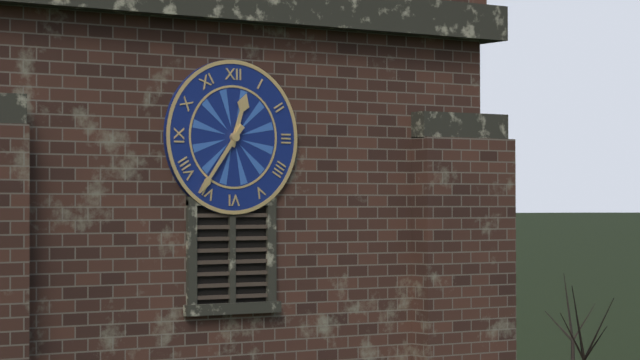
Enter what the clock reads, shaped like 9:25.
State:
12:36
